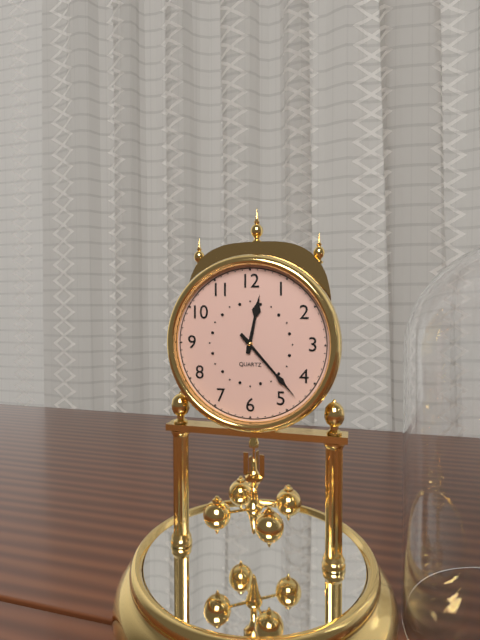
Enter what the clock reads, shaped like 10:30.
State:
12:23
